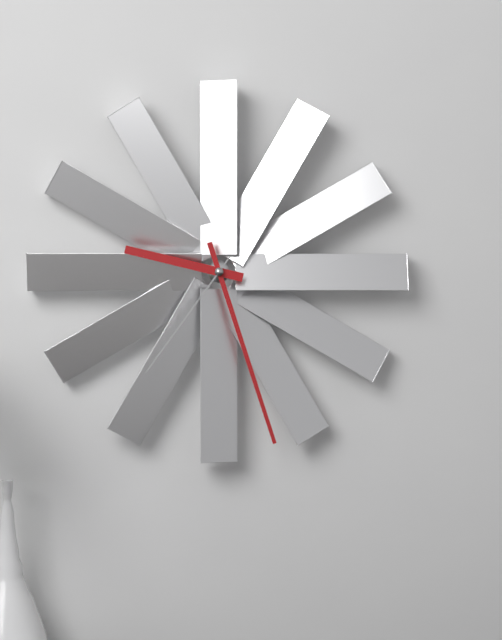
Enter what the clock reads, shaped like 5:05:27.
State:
9:27:36
